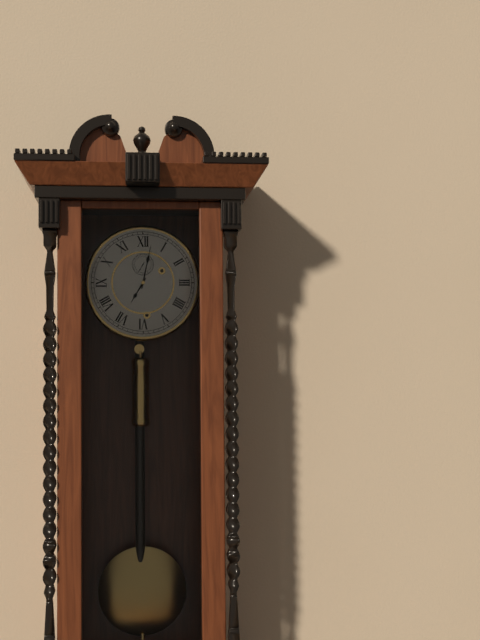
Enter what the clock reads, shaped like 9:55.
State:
7:02
